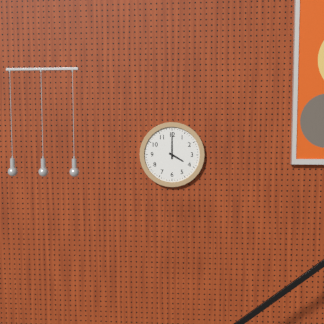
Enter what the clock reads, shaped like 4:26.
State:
4:00
